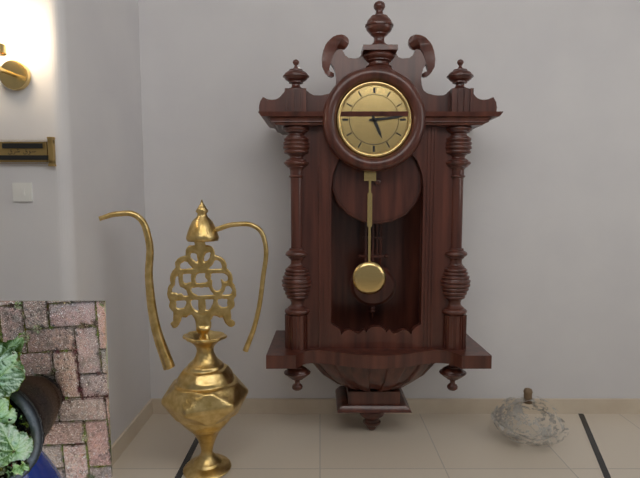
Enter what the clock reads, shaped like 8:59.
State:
5:14
